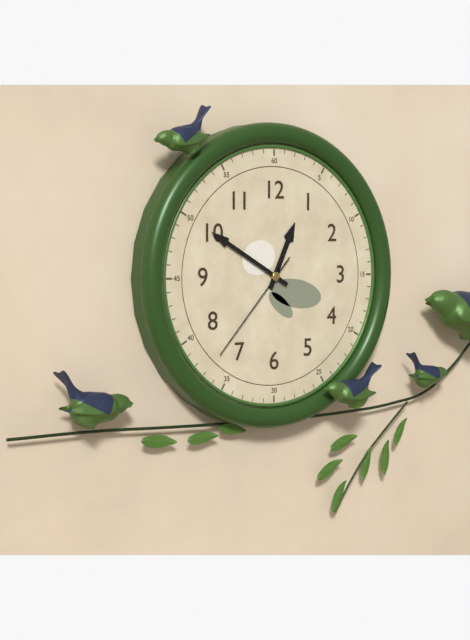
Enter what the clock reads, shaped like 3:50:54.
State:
12:50:37
